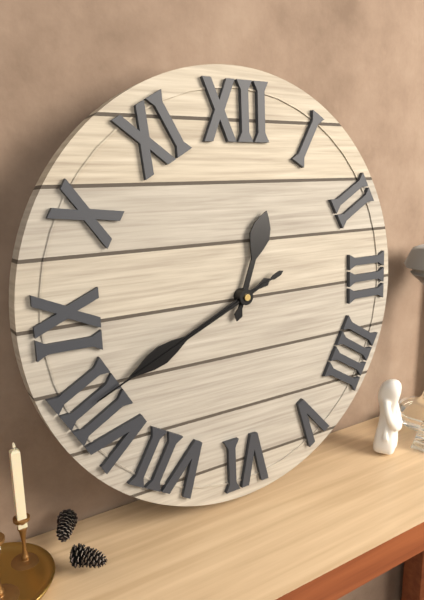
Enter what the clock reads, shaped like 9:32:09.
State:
12:41:41
